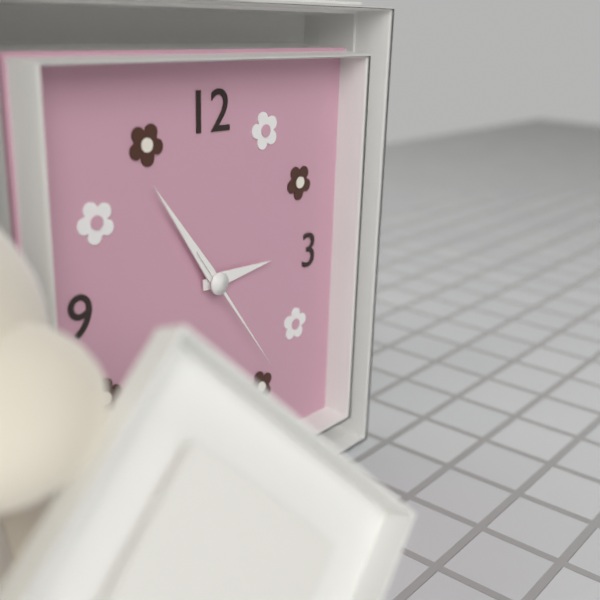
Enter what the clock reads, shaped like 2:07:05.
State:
2:54:24
